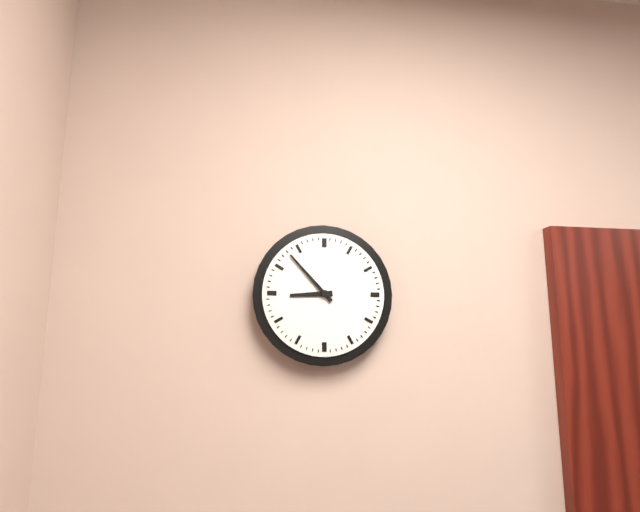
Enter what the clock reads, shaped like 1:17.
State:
8:53
